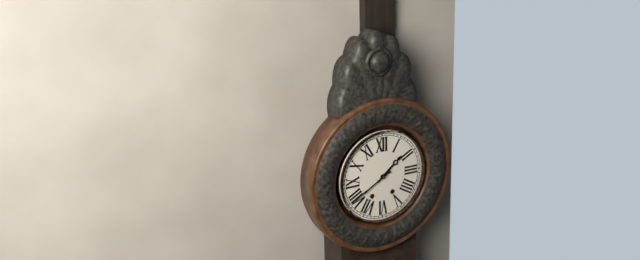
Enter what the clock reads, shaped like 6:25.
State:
1:40
